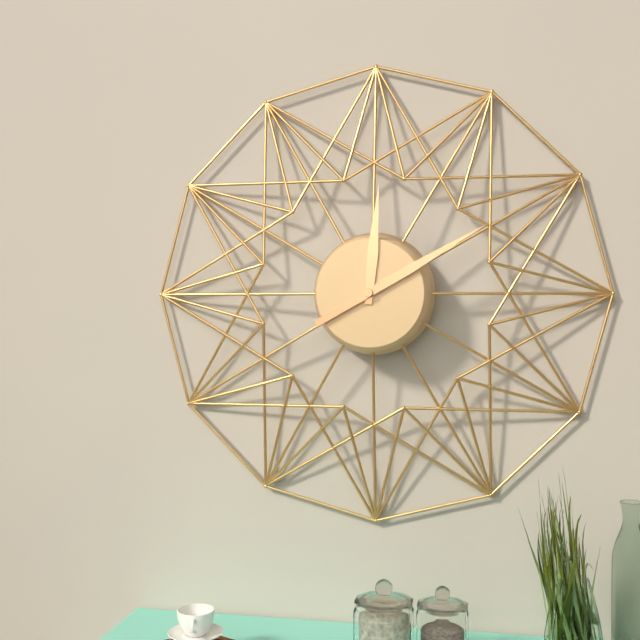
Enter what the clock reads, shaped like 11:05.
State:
12:10
